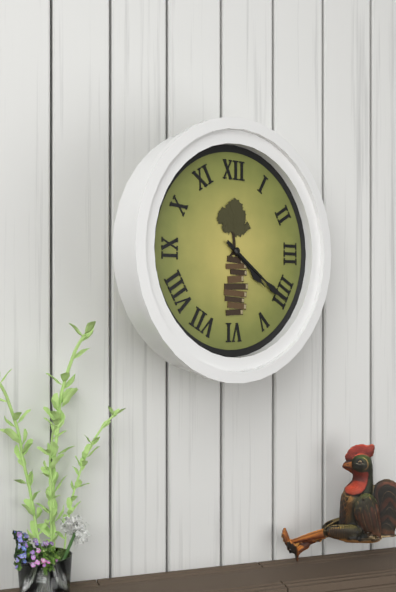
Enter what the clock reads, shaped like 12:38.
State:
4:21
